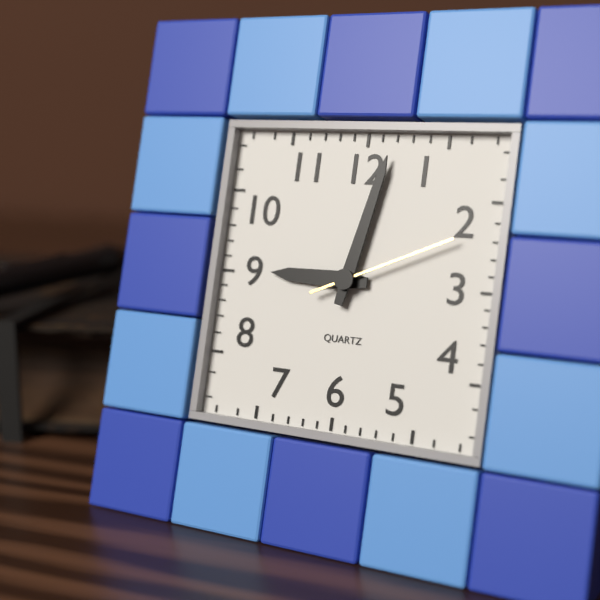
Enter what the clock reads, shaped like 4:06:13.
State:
9:02:11
